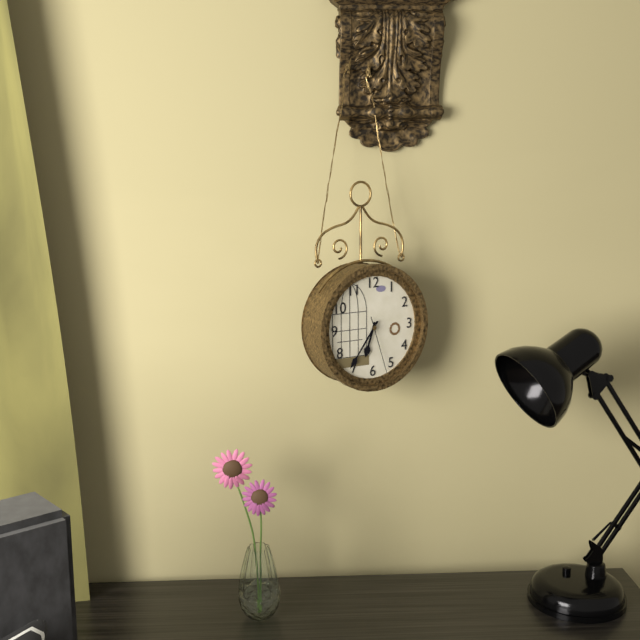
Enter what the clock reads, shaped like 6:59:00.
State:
6:36:27
